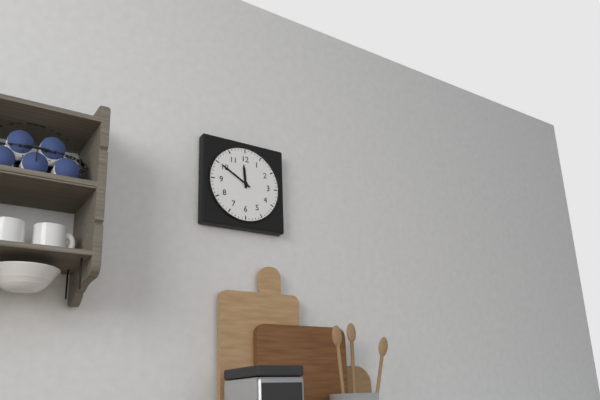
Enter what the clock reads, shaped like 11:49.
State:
11:50
